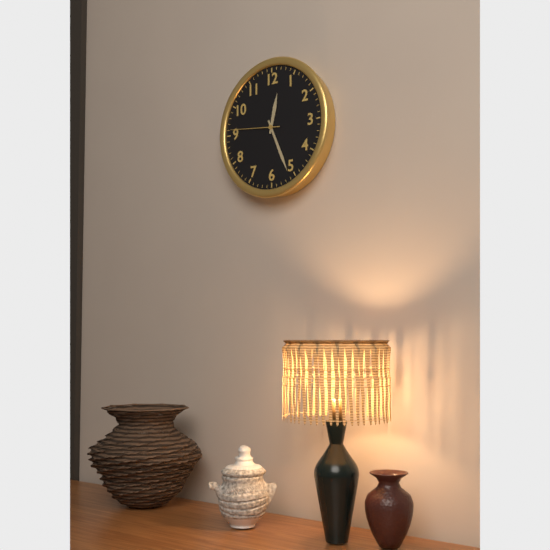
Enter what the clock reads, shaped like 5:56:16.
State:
12:26:46
